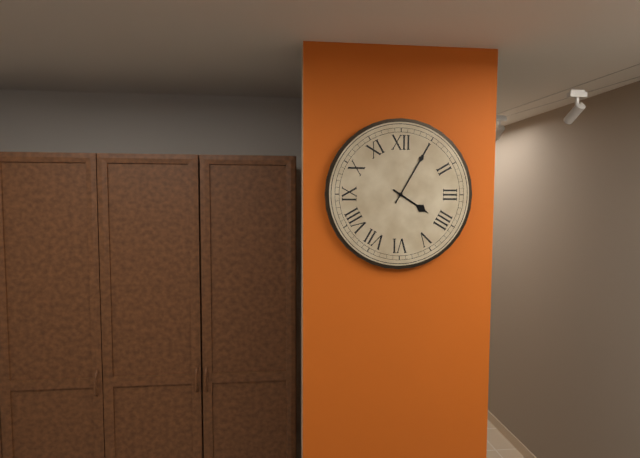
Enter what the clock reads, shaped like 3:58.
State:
4:05
